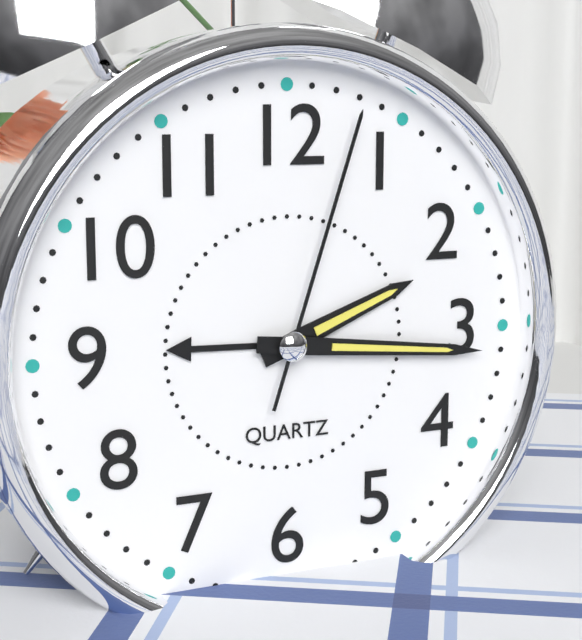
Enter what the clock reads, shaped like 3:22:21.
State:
2:16:03
